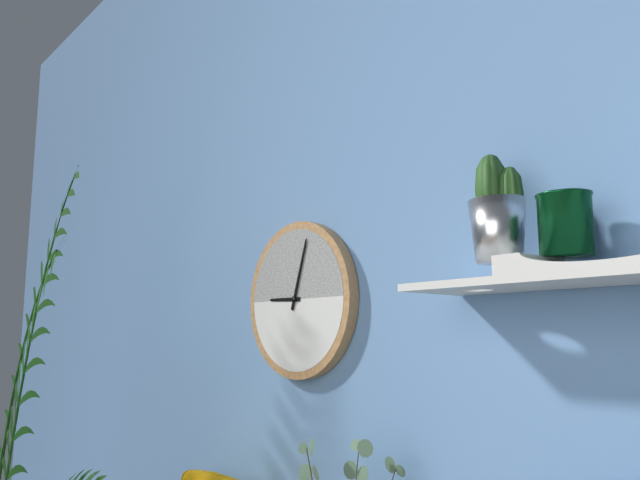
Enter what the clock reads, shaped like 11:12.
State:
9:03
